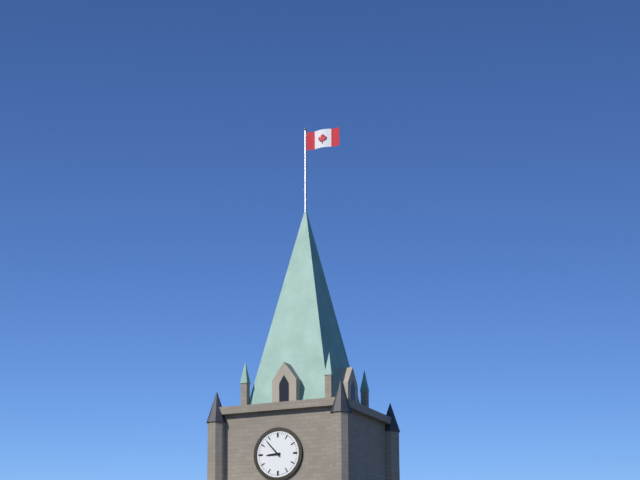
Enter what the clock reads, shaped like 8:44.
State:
8:53
